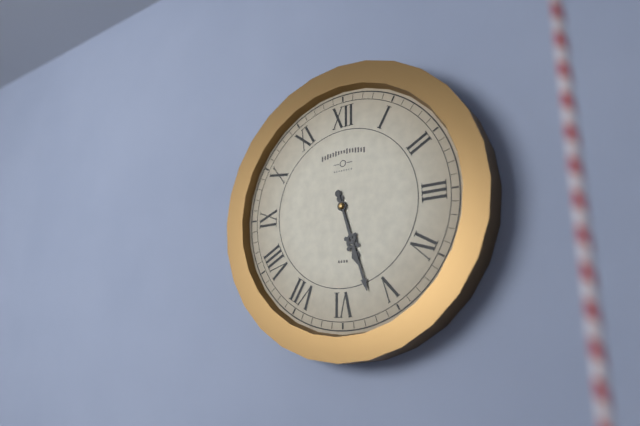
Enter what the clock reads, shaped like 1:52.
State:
5:27
